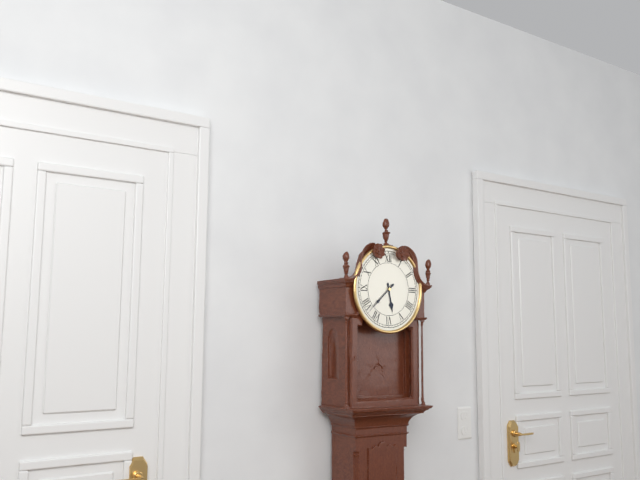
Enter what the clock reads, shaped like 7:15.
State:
5:38
